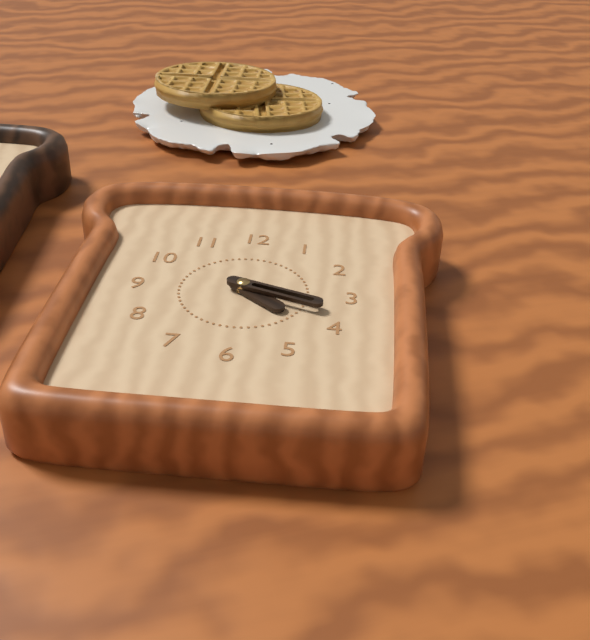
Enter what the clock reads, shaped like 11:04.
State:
4:18
